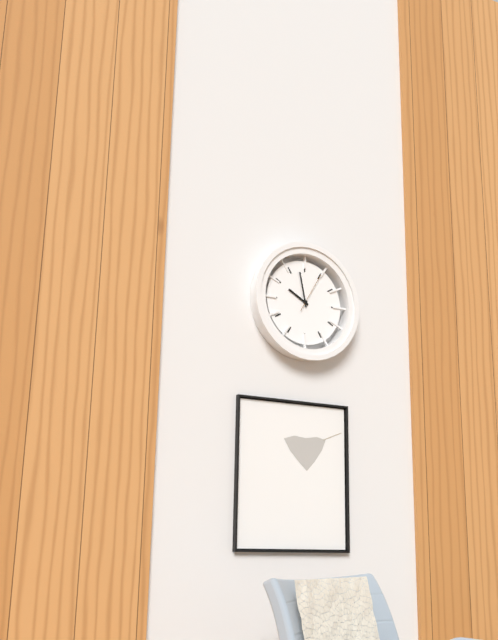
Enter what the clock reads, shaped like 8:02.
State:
9:58
